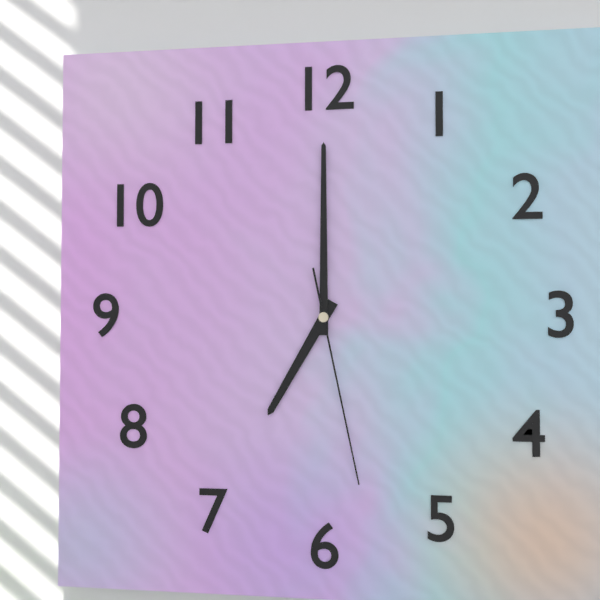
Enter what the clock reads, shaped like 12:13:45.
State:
7:00:28
